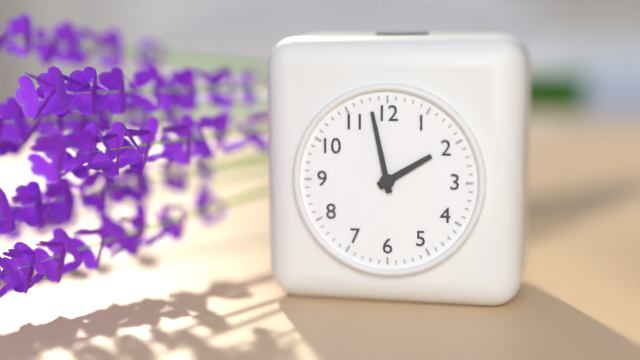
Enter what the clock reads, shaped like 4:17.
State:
1:58
